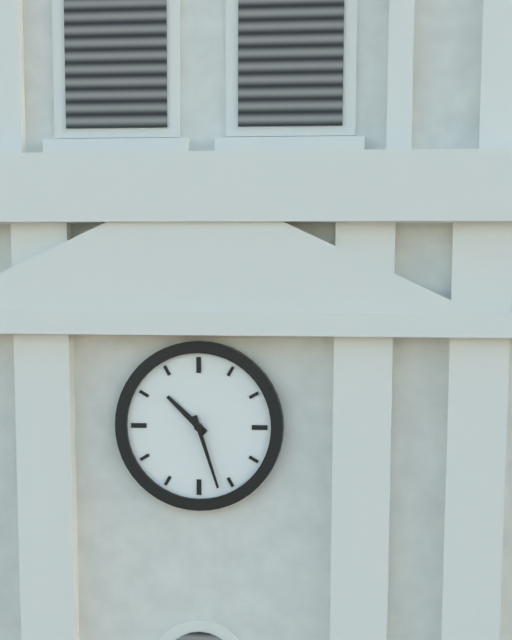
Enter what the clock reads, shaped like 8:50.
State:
10:27
